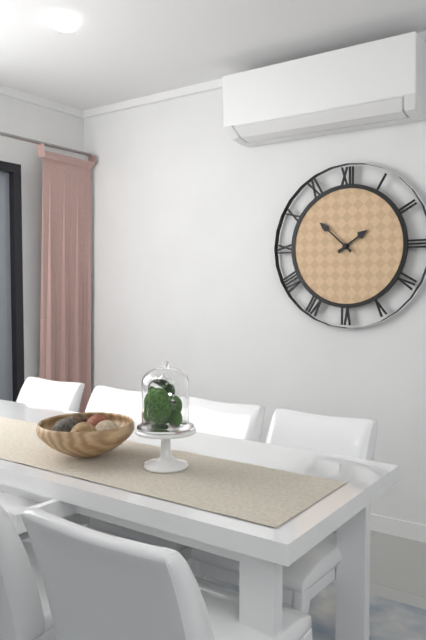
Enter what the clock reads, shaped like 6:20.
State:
1:52
